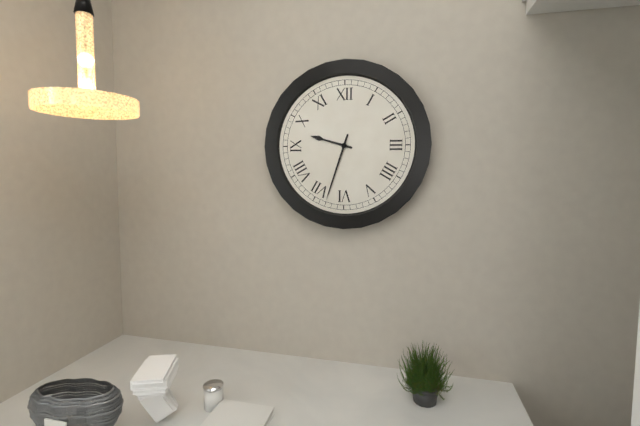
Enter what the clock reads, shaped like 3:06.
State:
9:33
